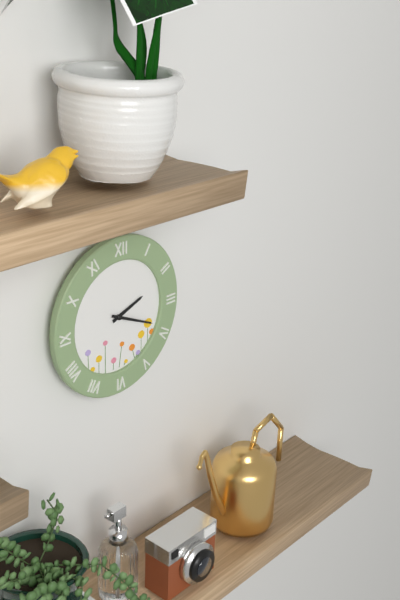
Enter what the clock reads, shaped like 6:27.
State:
2:19
